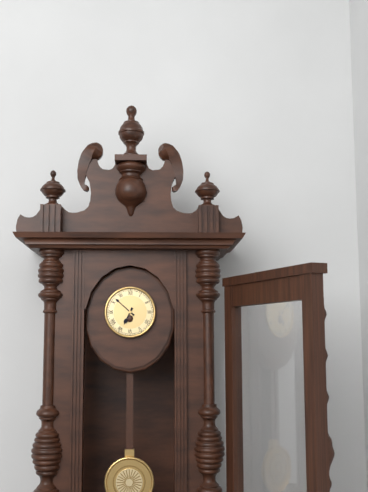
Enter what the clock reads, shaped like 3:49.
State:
6:52
